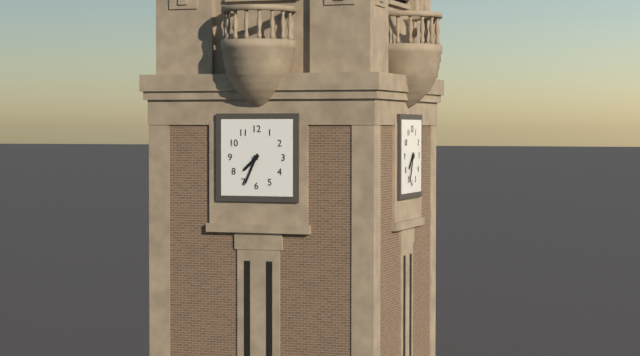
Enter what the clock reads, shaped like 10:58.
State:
7:34
